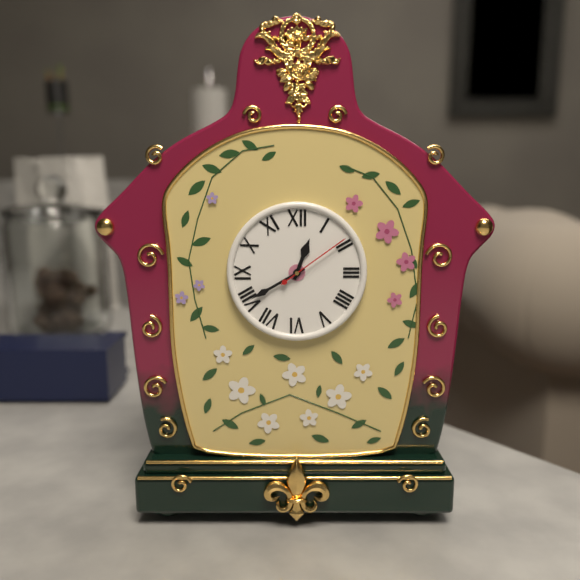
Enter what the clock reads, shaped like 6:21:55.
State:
12:40:09
